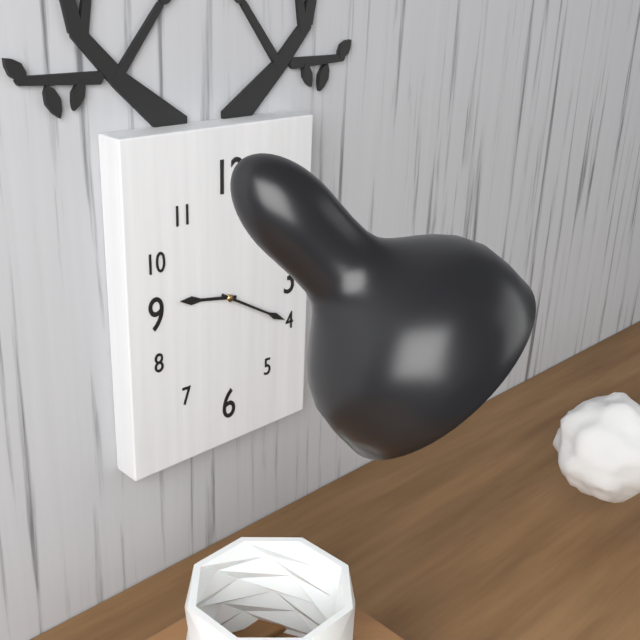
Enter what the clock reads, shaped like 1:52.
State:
9:20
